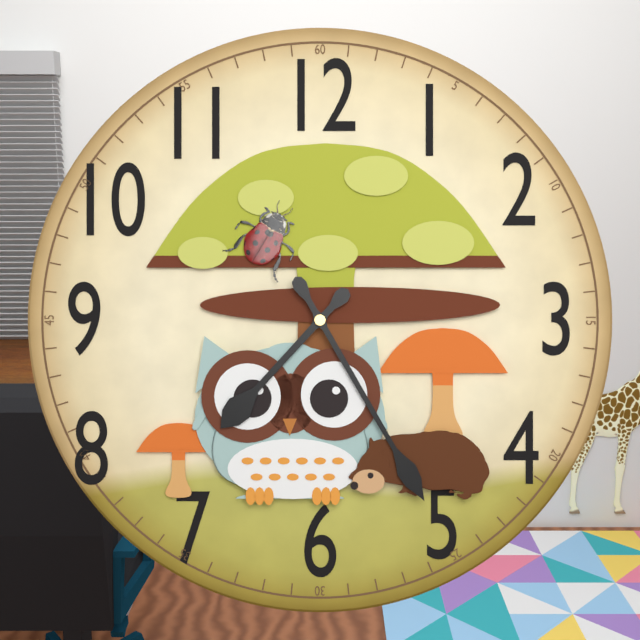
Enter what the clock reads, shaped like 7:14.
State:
7:25
